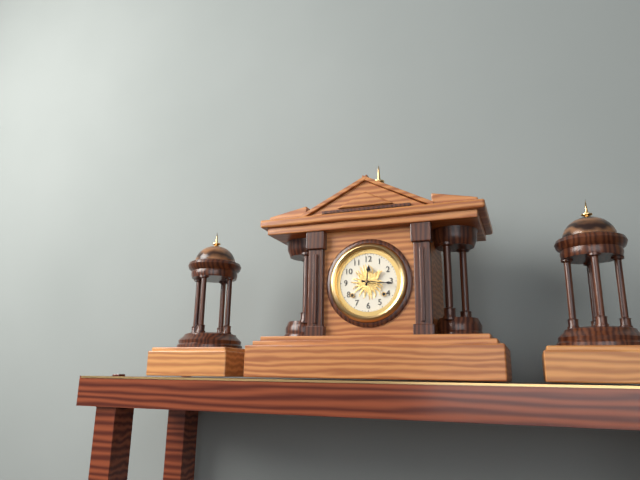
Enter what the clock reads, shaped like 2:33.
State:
12:16
